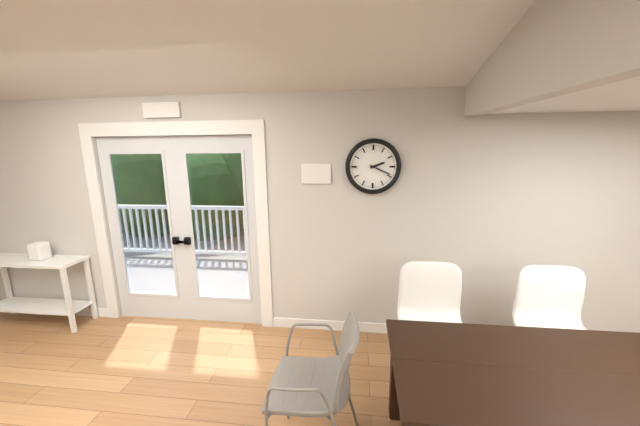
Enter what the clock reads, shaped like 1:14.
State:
2:19
